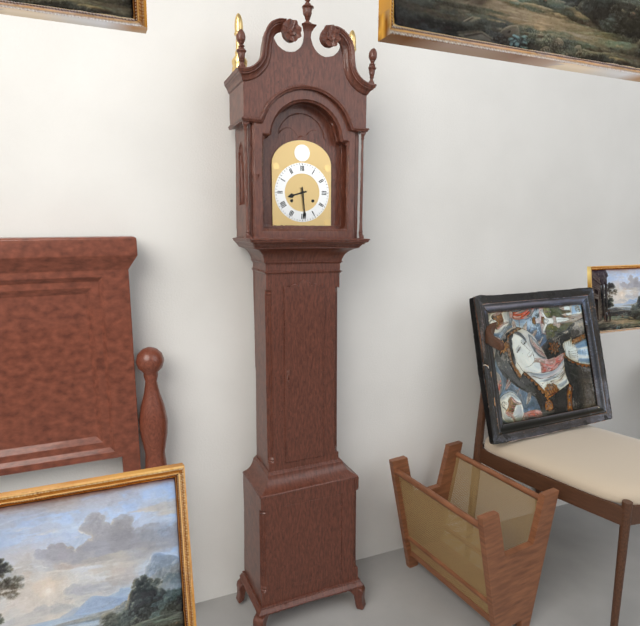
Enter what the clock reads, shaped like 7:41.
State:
8:29
